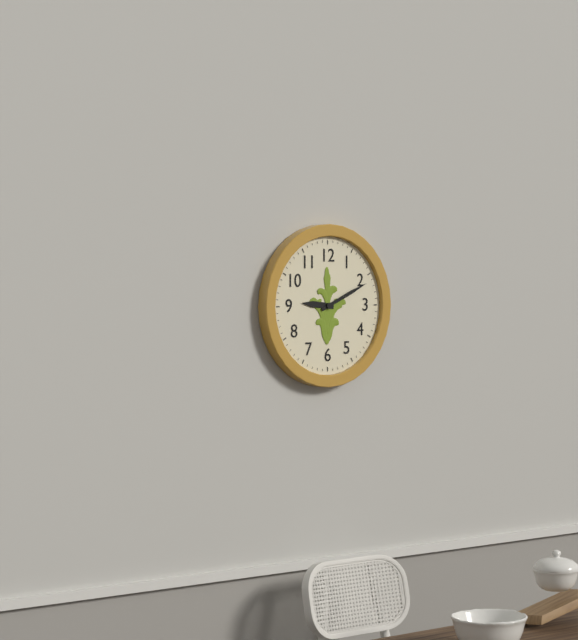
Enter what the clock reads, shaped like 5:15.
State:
9:11
